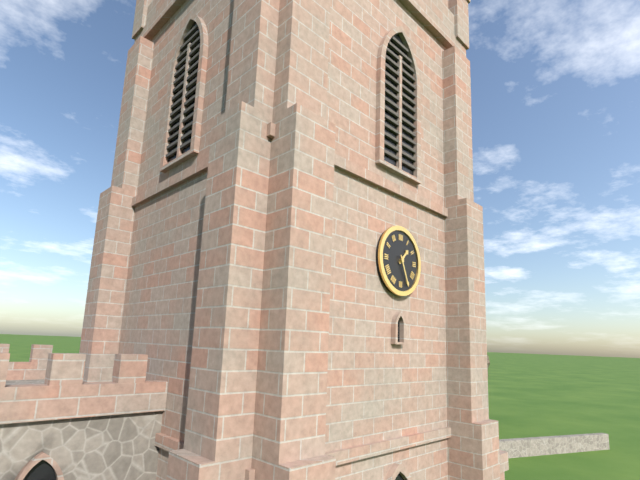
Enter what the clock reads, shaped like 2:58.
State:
1:26
